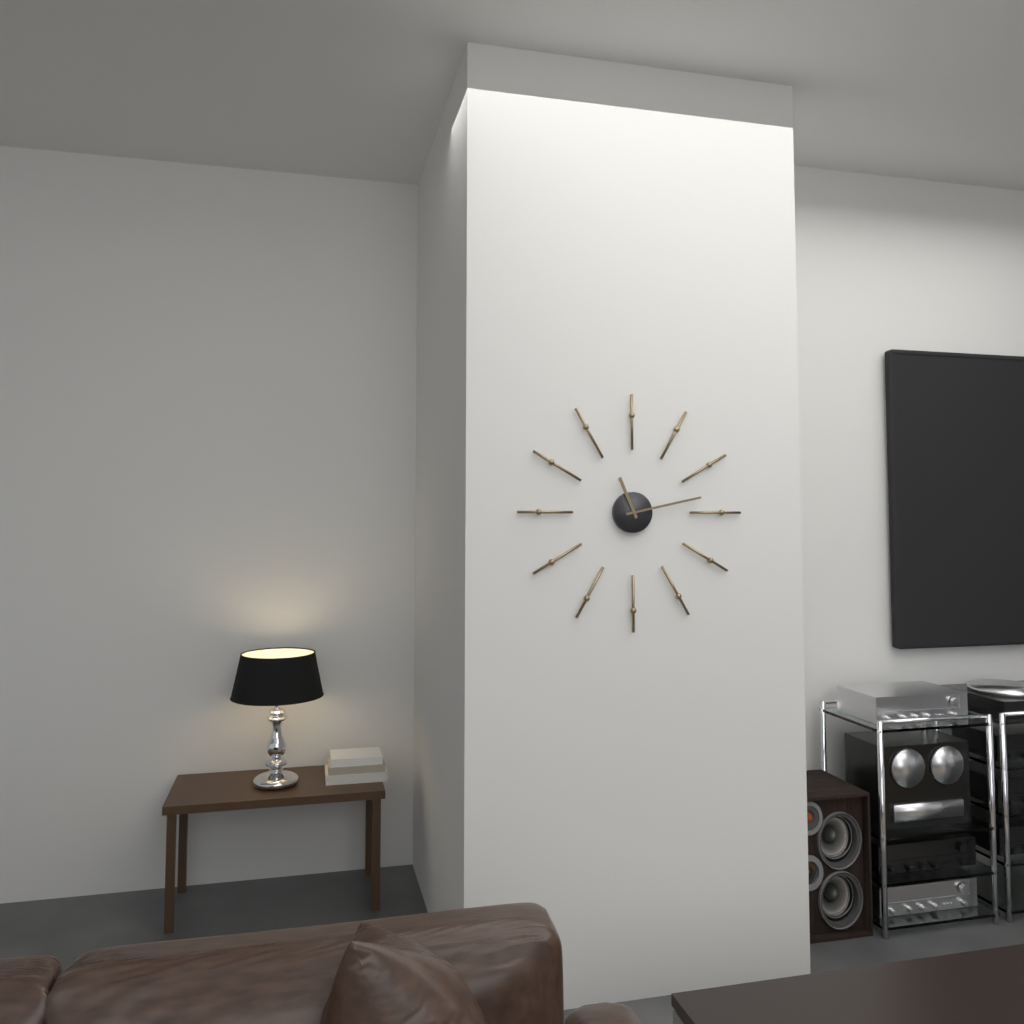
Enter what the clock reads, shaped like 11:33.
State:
11:13
